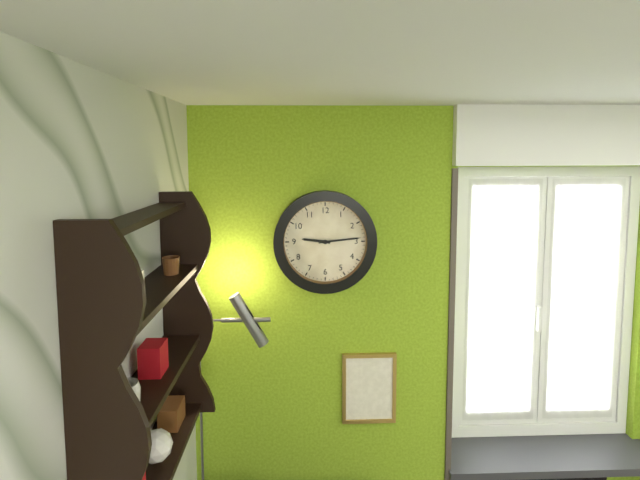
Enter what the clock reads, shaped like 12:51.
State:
9:14
